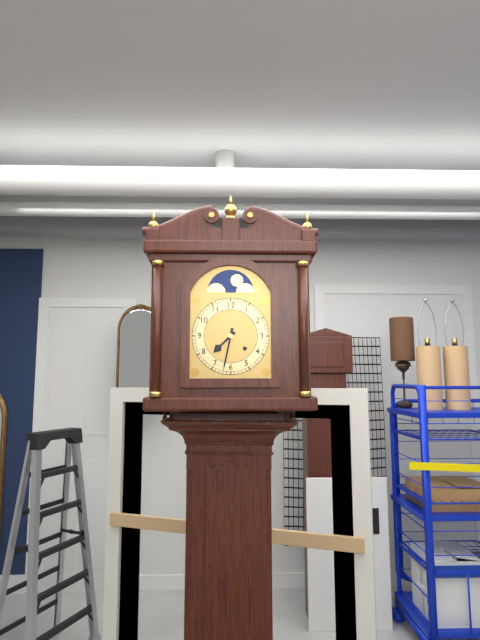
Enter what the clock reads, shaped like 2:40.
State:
7:32
